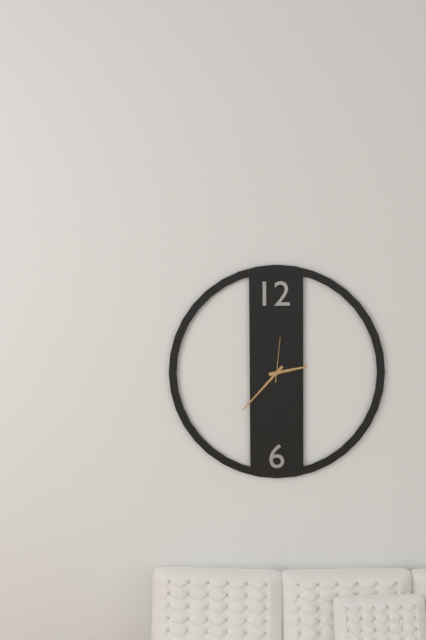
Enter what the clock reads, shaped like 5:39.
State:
2:37
